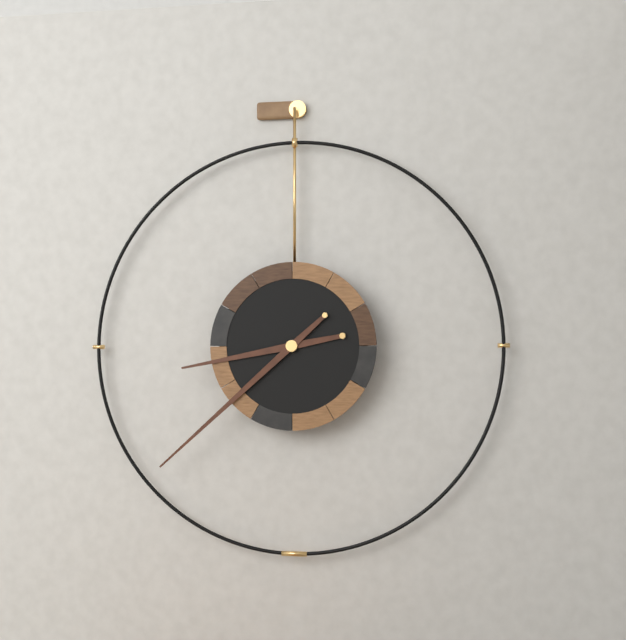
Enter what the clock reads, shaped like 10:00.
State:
8:38
